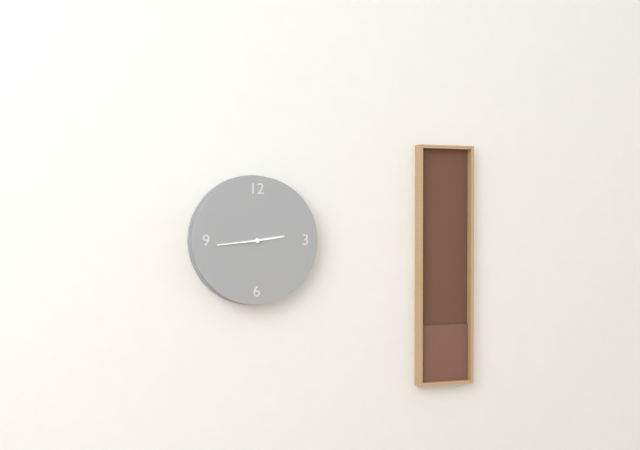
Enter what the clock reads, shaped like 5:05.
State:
2:44
